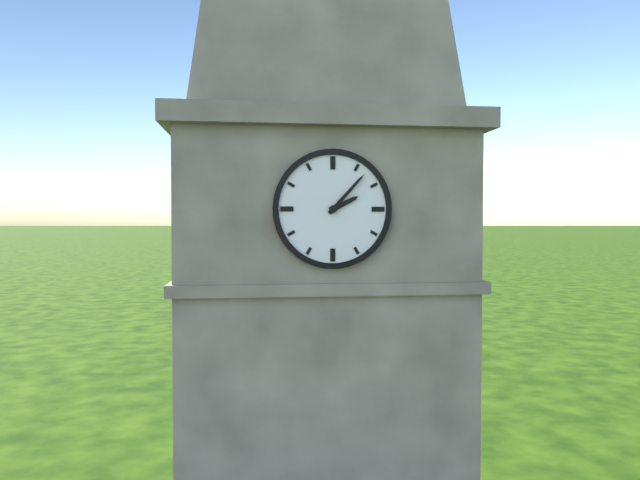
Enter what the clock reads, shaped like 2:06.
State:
2:07
